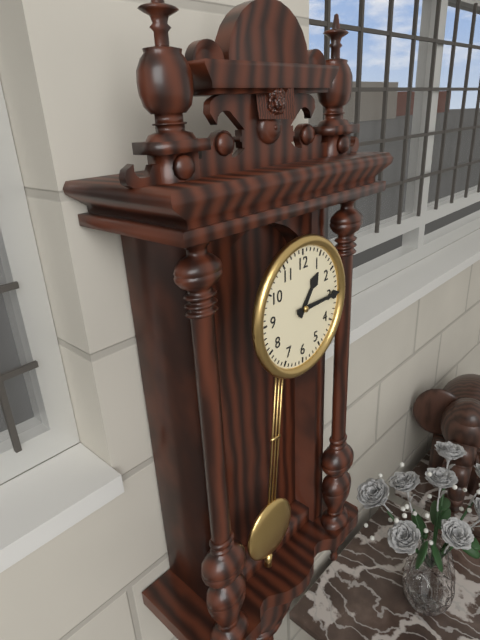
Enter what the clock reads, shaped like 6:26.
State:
1:15
